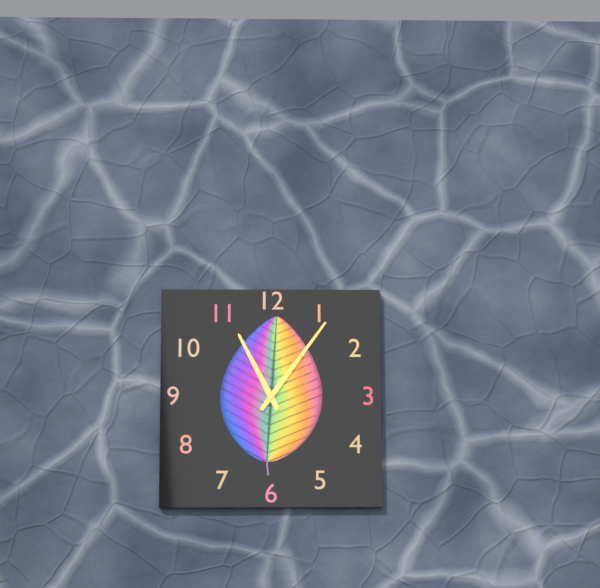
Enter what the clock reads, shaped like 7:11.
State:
11:06
